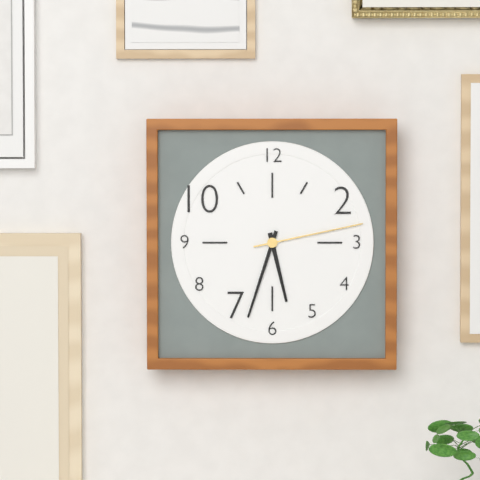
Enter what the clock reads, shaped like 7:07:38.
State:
5:33:13
